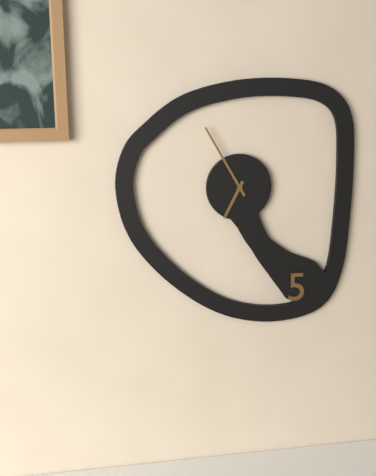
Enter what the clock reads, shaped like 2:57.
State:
6:55
